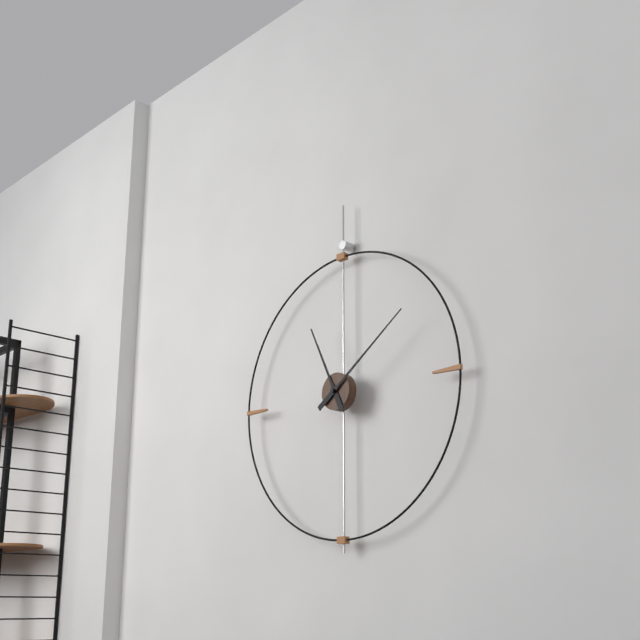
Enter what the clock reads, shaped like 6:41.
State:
11:09
